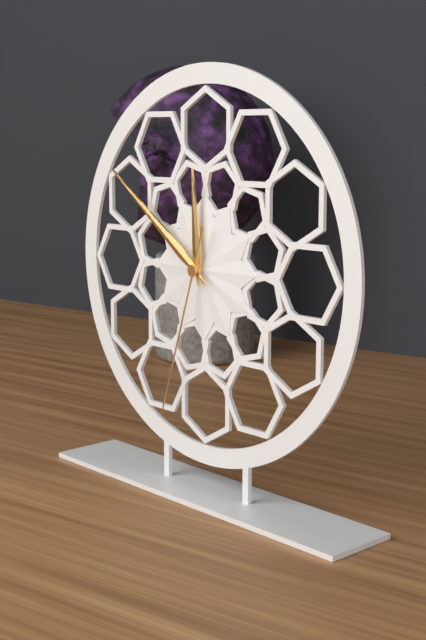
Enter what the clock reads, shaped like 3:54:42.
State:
11:51:33
